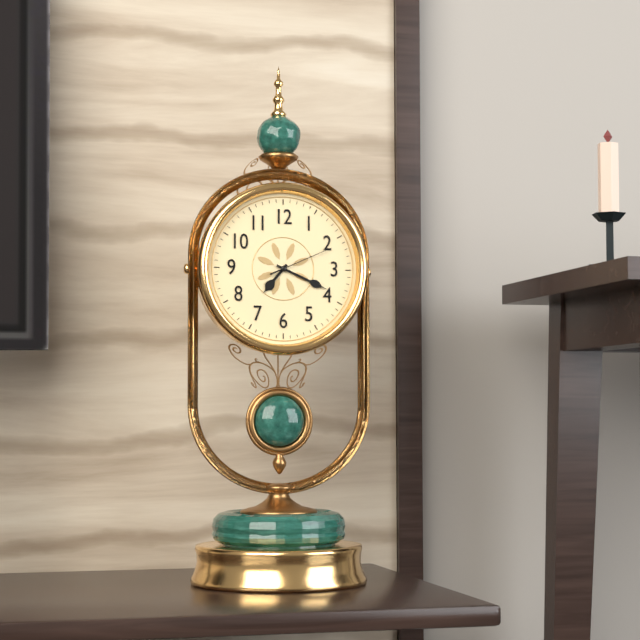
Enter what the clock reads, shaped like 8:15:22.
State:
7:19:11
